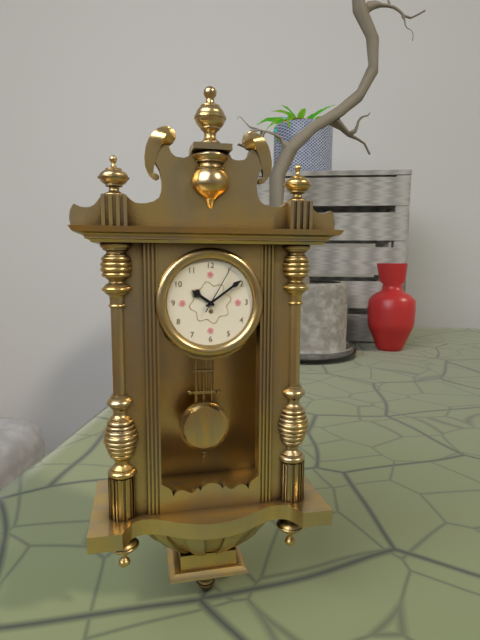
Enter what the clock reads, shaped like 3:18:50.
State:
10:09:05
